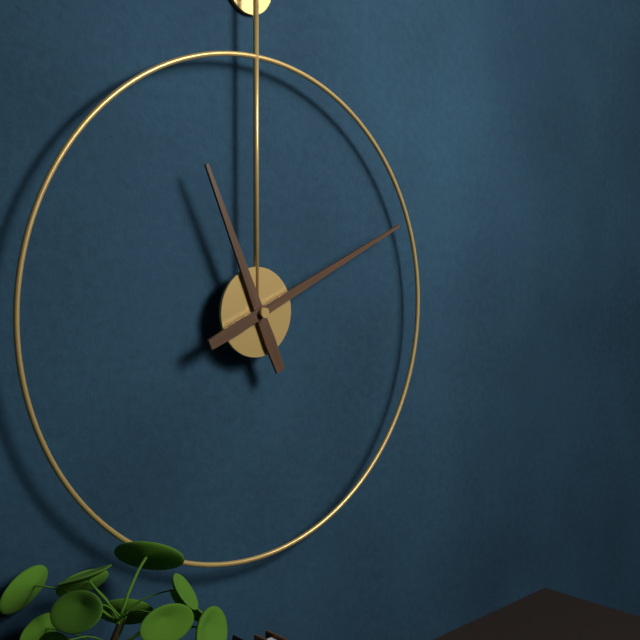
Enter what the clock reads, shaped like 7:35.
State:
11:11
